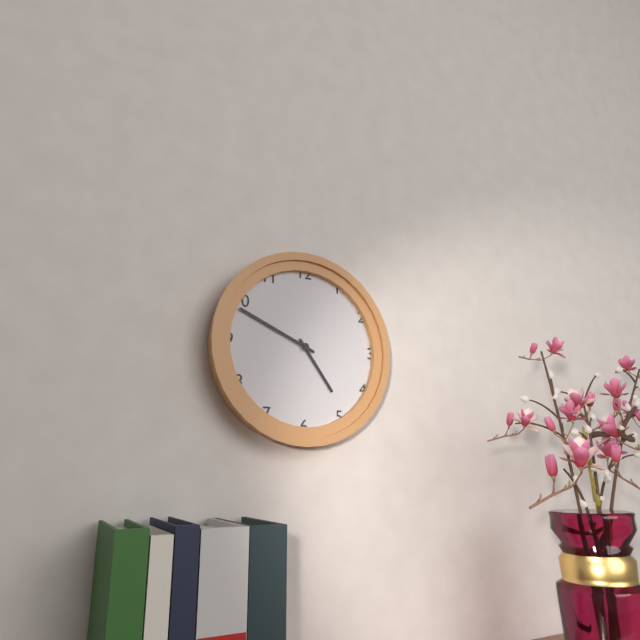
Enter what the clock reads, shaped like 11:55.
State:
4:49
